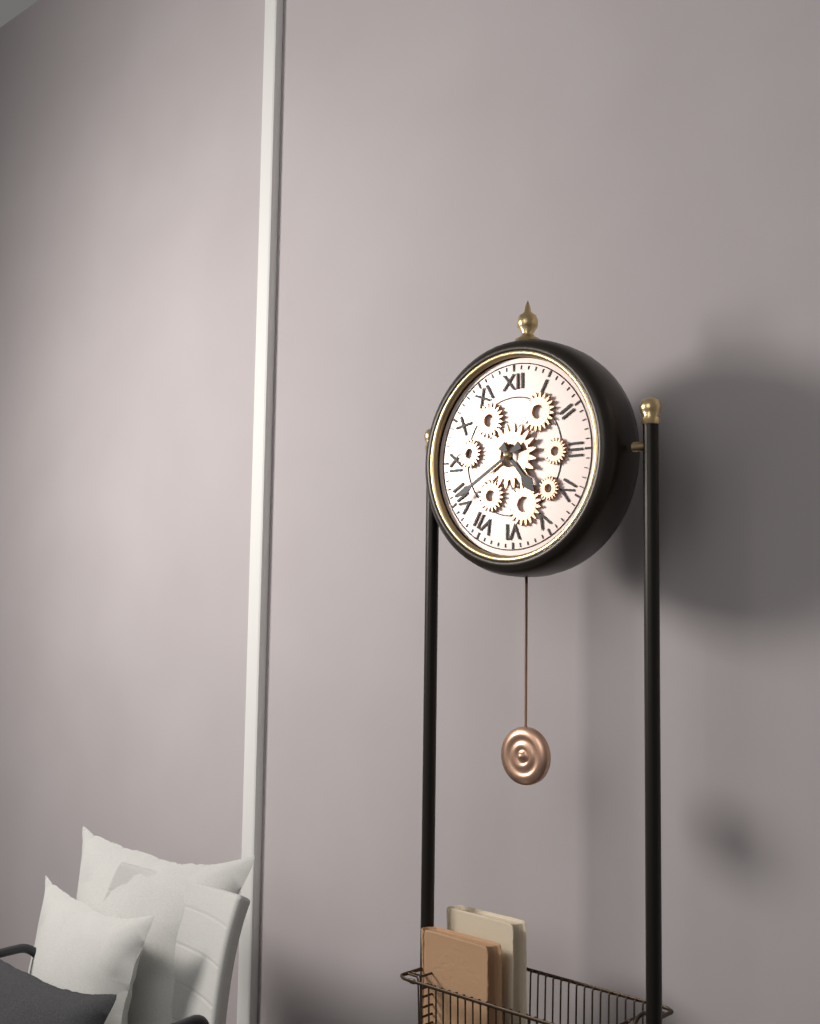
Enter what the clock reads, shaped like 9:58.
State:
4:40
